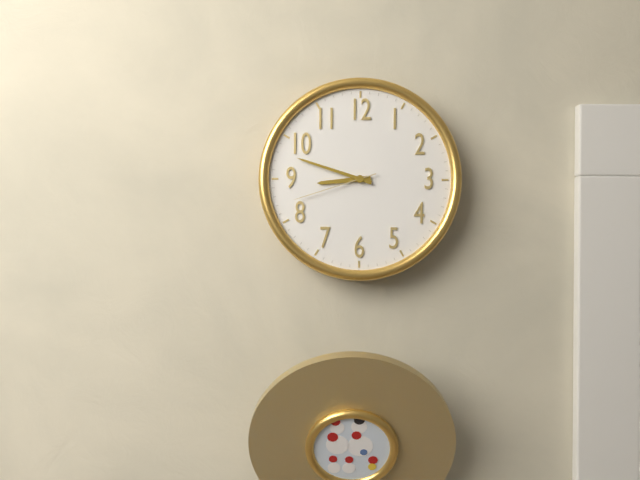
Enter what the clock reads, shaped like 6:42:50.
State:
8:48:42
